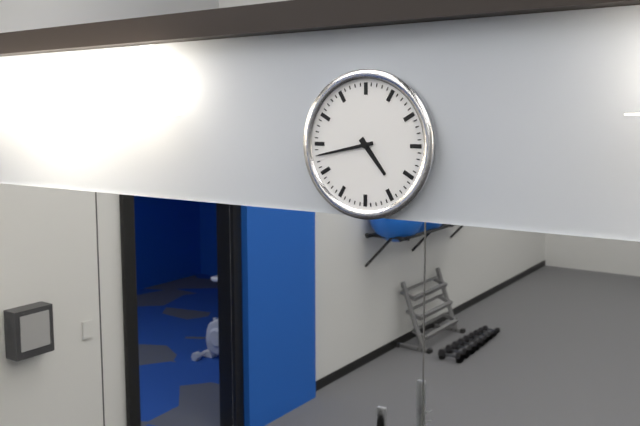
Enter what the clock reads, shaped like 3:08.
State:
4:43
